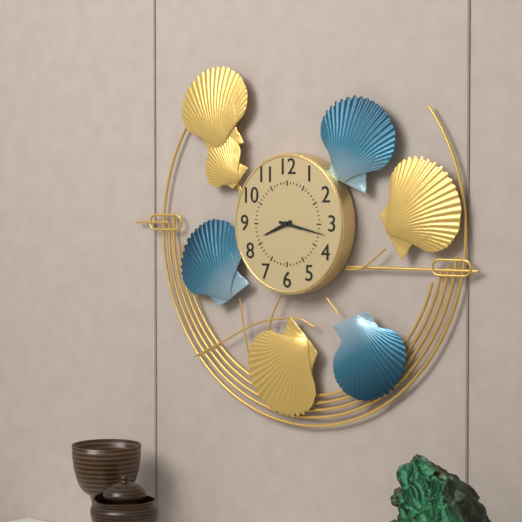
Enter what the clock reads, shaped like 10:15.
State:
8:17
